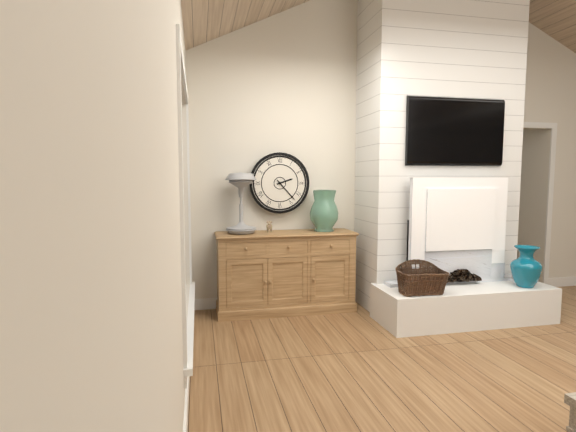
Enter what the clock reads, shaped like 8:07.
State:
2:23
